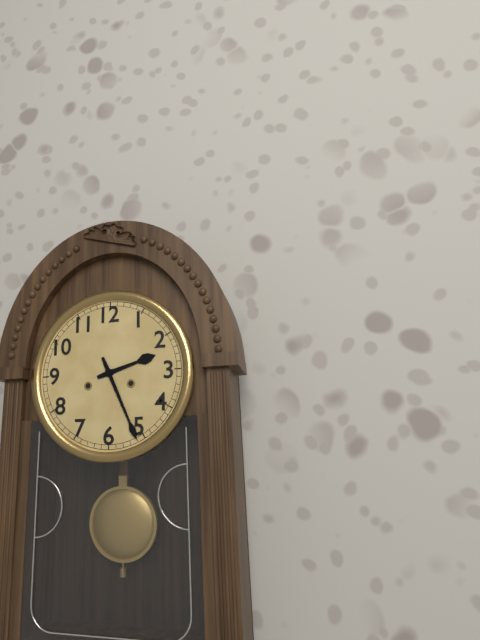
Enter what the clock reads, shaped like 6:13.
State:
2:26
